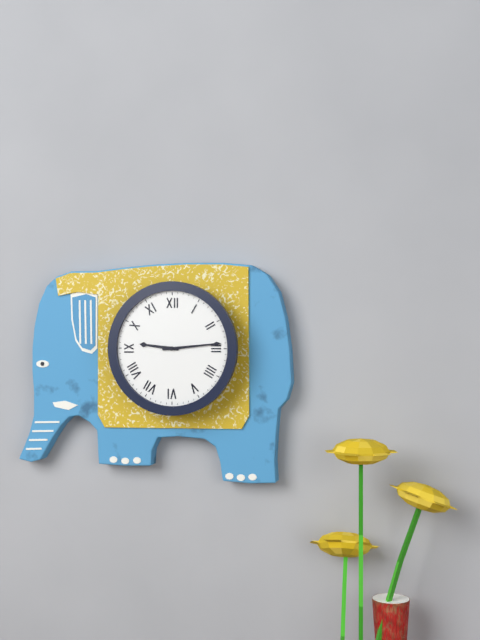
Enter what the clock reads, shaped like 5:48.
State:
9:14
